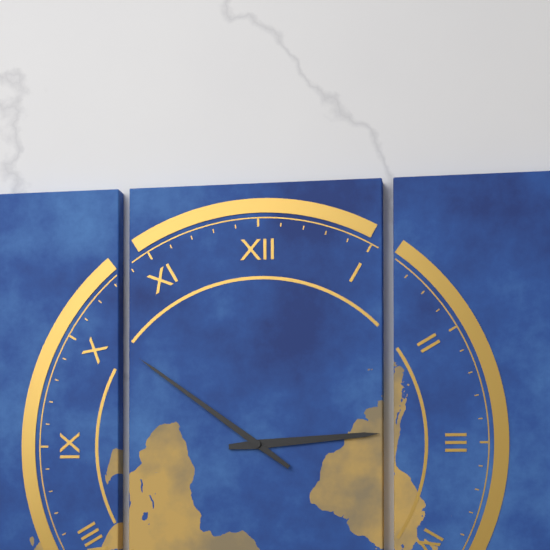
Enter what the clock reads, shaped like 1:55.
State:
2:51
